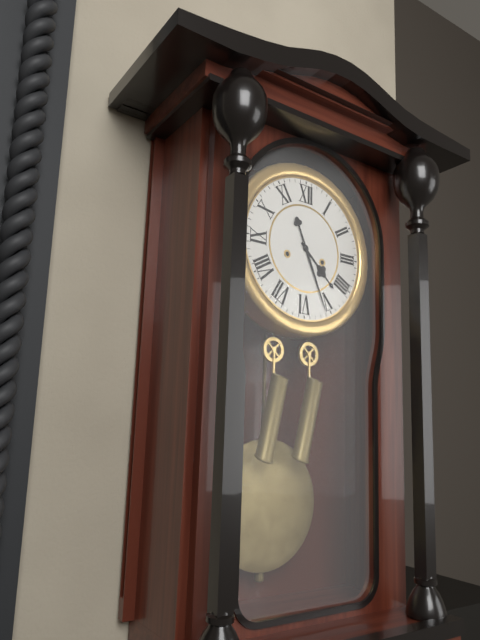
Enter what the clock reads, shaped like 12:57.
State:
4:26
